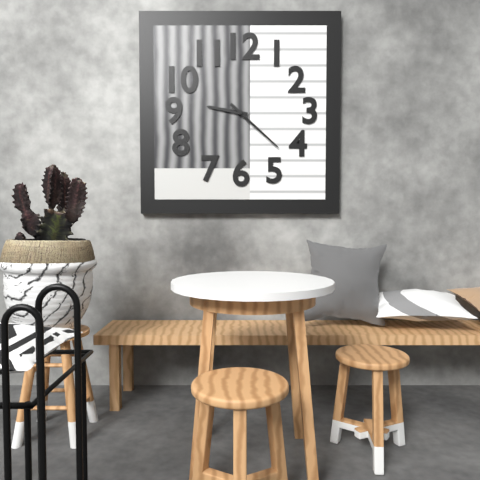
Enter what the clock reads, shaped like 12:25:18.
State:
9:22:22
